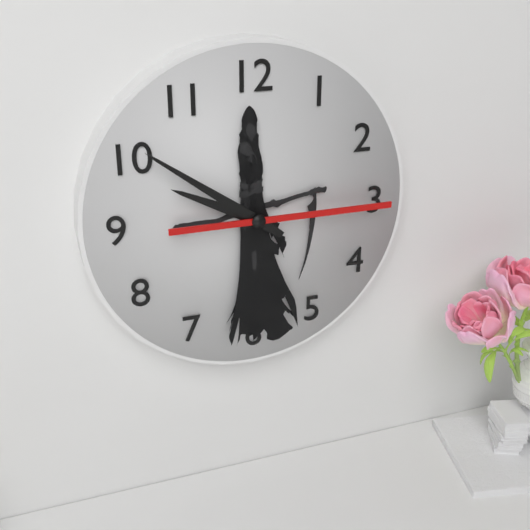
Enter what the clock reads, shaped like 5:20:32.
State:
9:51:15
